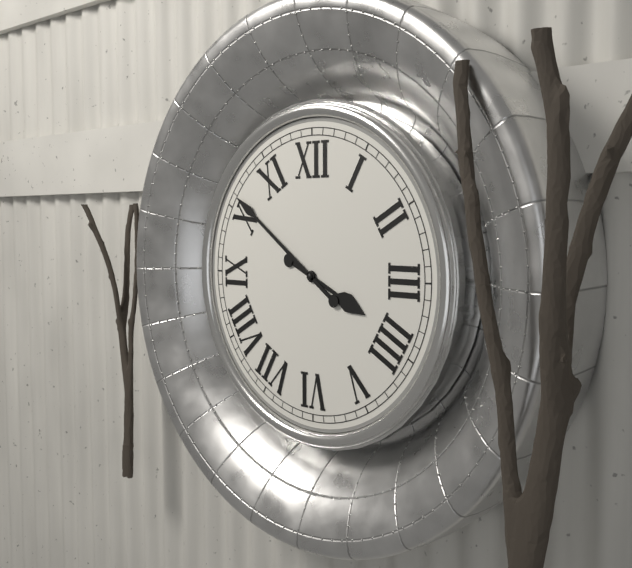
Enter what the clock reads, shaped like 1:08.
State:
3:51
